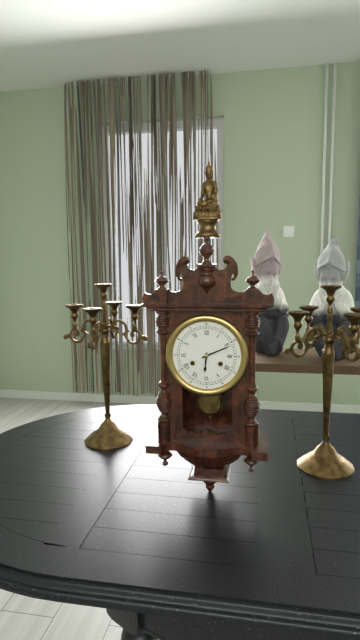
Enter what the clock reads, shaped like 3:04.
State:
6:11
